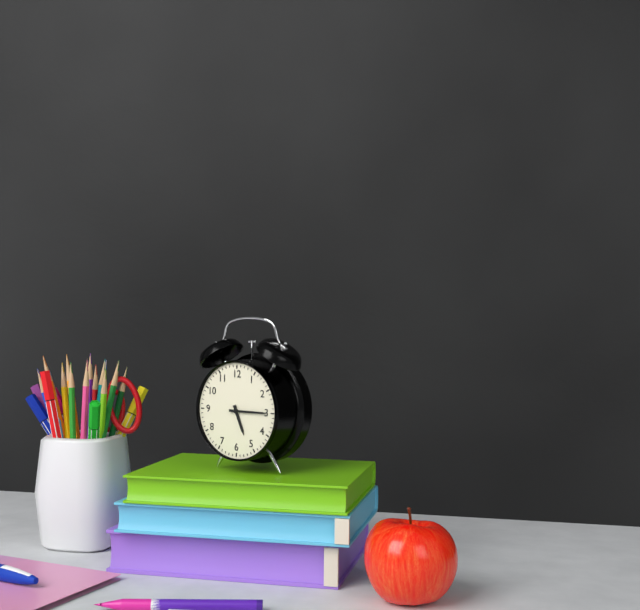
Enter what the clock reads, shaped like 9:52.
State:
5:15
